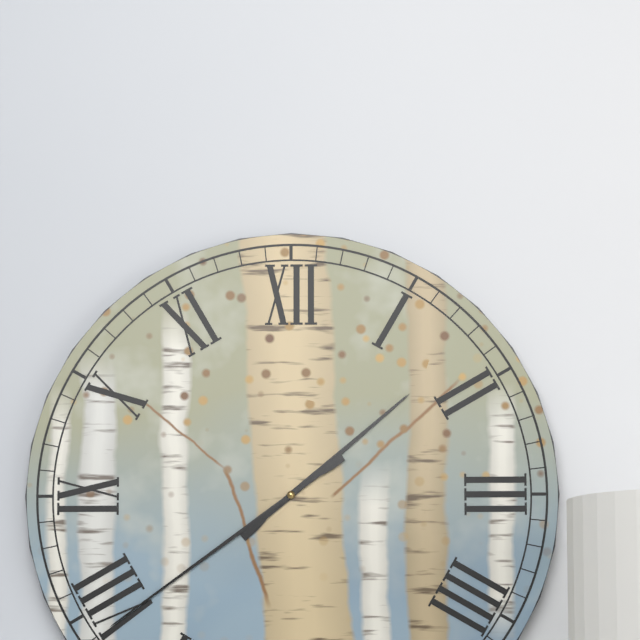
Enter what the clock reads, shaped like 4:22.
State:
1:39
